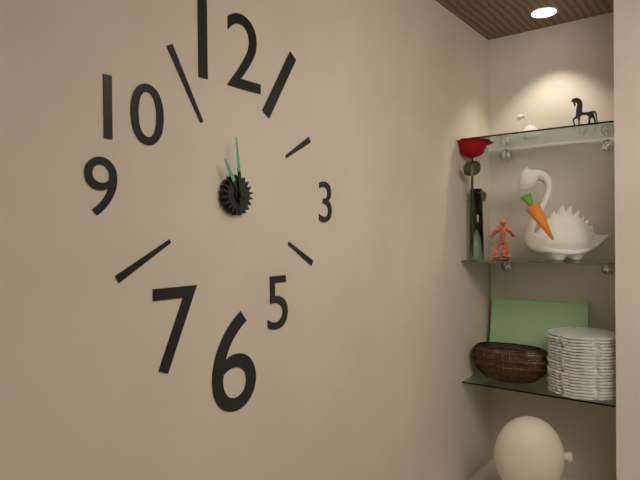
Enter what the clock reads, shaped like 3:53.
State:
10:59
